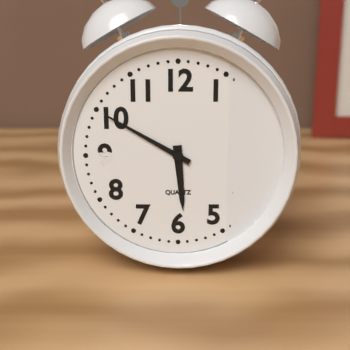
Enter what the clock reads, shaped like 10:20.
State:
5:50
